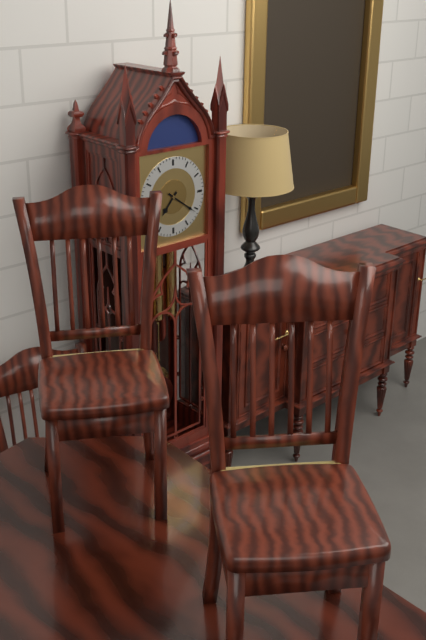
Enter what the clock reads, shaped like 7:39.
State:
7:21
